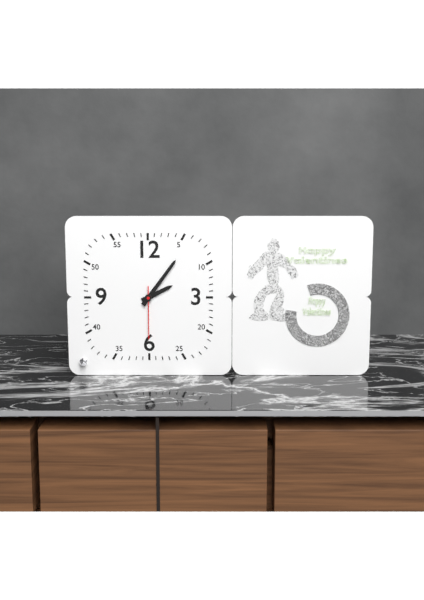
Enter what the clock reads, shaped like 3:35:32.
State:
2:06:30
